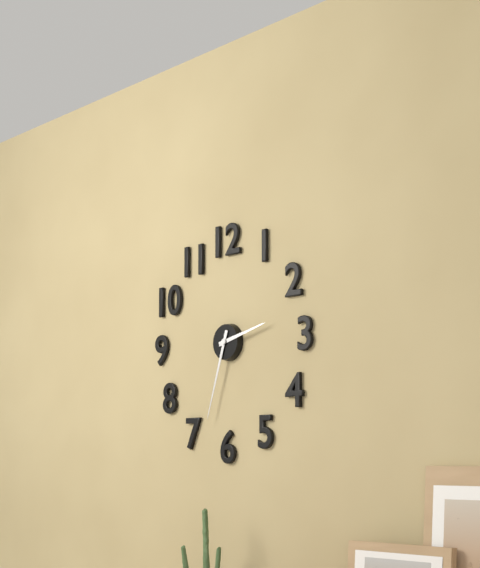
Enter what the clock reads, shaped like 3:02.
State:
2:33
